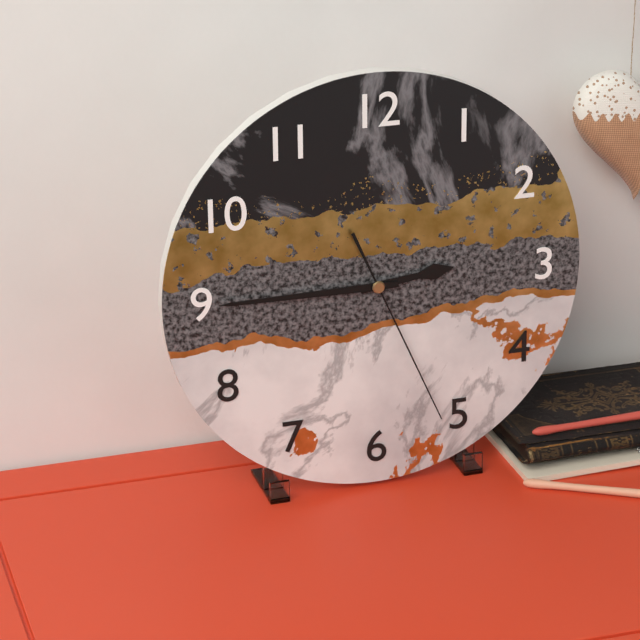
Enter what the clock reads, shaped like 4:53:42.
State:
2:45:26
